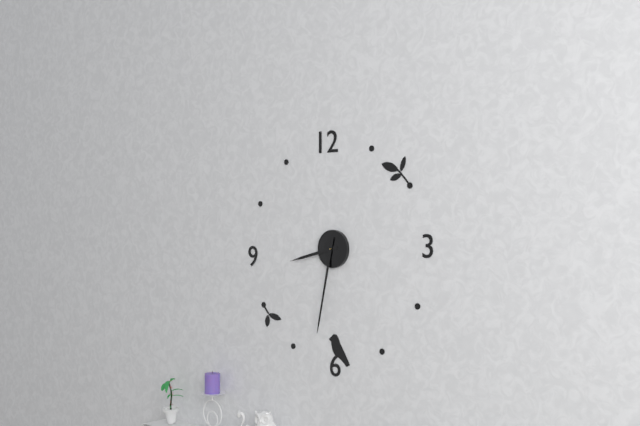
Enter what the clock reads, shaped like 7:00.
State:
8:32
